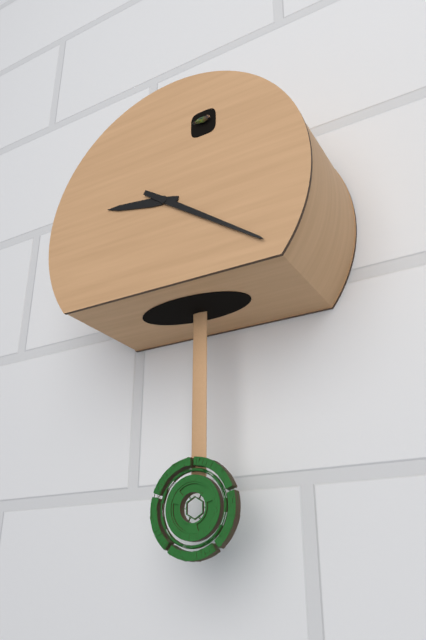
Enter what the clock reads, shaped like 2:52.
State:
9:21
